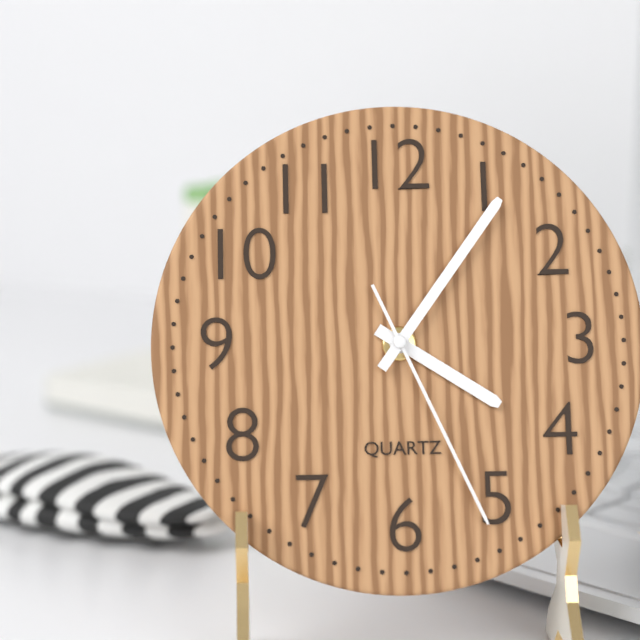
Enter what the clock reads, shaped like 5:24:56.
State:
4:06:26
